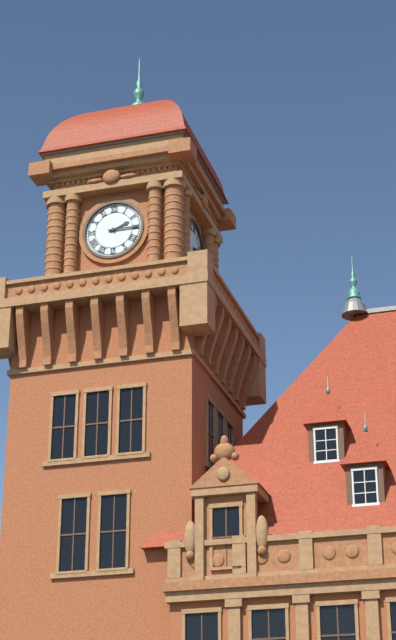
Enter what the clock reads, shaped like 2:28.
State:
2:15
